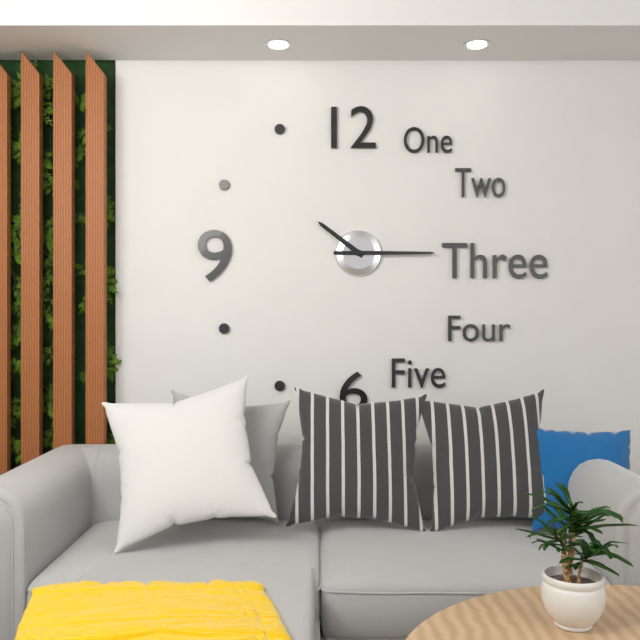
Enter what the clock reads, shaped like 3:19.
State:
10:15
